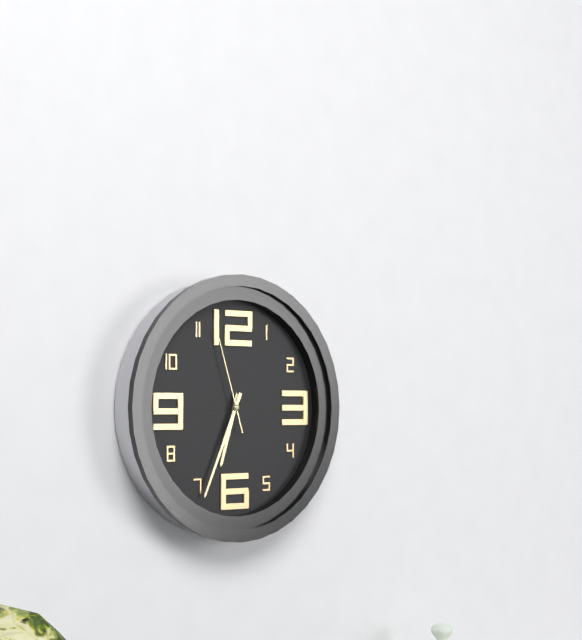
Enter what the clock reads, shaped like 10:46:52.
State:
6:34:57
